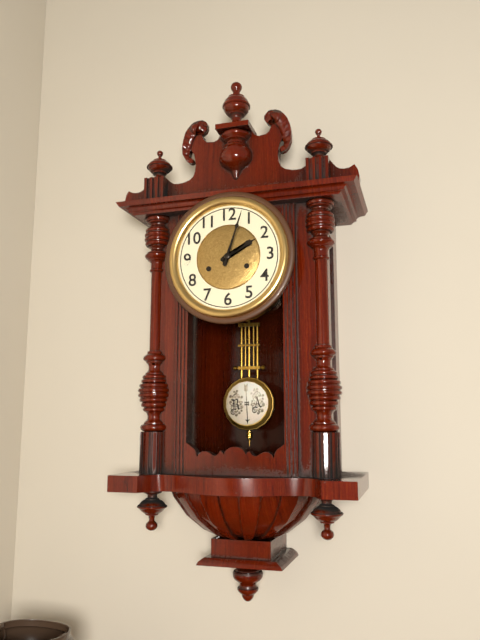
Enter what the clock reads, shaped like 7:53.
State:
2:03
